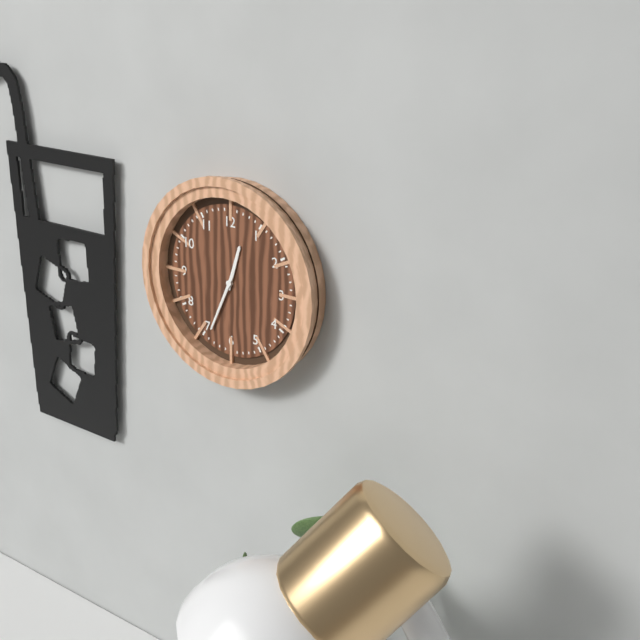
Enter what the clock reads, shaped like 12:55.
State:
12:34
